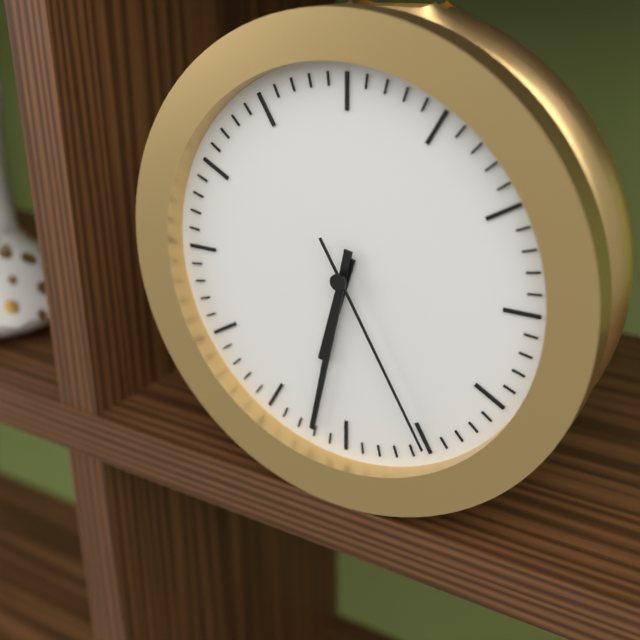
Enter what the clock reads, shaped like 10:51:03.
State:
6:32:25
